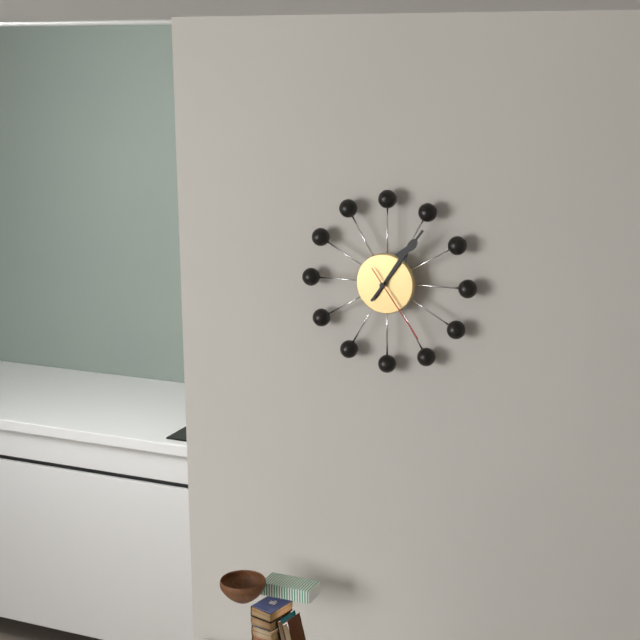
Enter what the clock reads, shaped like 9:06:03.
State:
1:06:24
